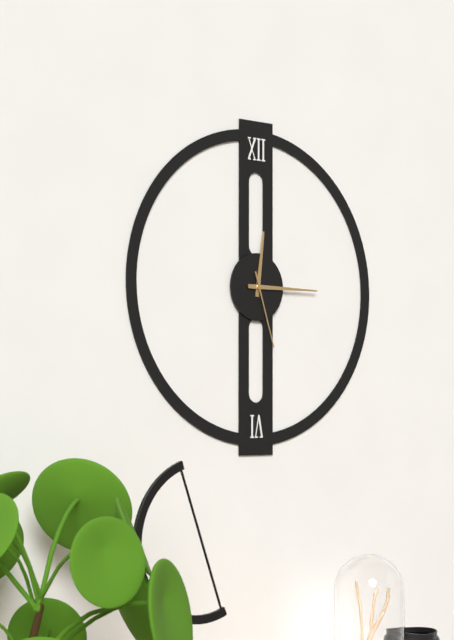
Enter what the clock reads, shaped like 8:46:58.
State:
12:15:27
